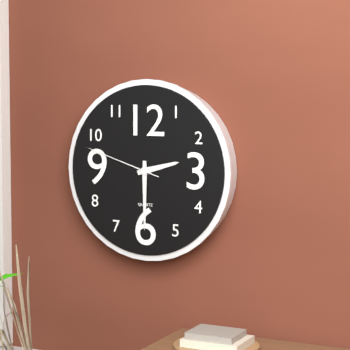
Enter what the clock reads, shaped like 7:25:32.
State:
2:30:48
